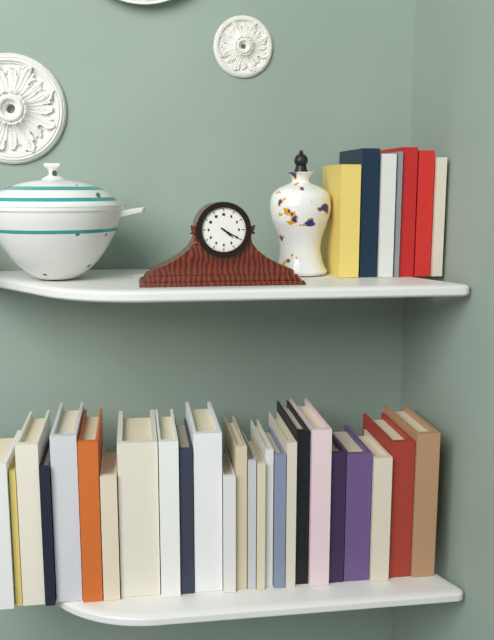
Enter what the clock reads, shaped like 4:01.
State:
4:20
